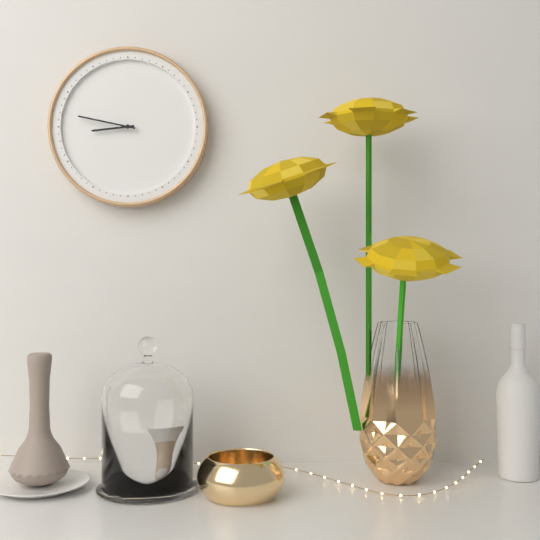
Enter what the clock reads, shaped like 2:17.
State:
8:47
